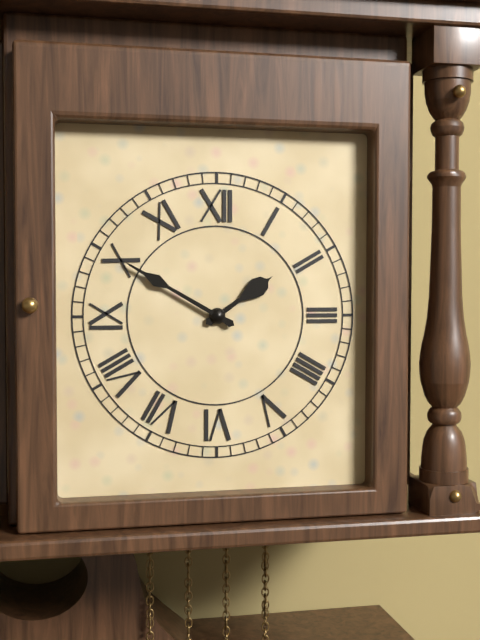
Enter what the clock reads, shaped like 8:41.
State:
1:50
